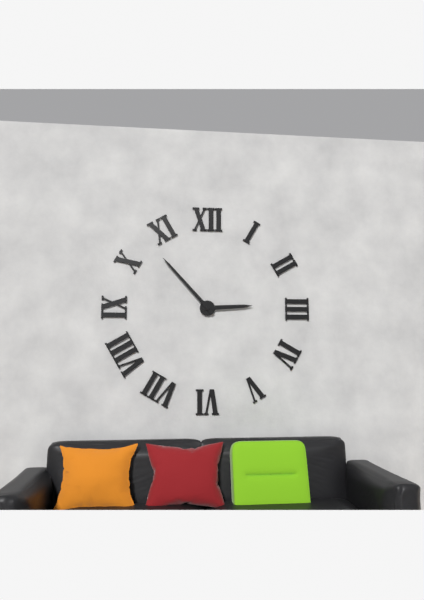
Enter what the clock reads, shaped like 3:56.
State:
2:53
